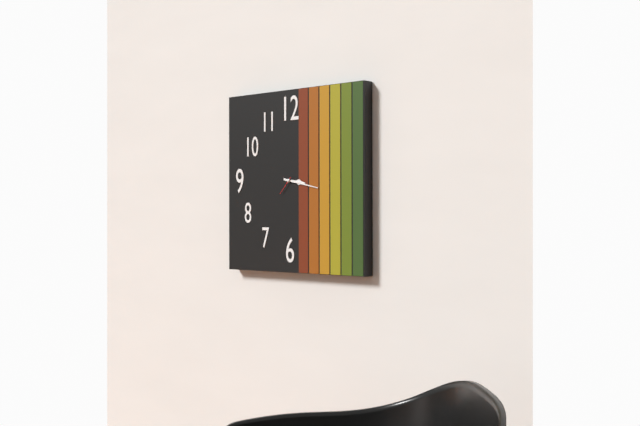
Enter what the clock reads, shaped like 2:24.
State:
3:17
